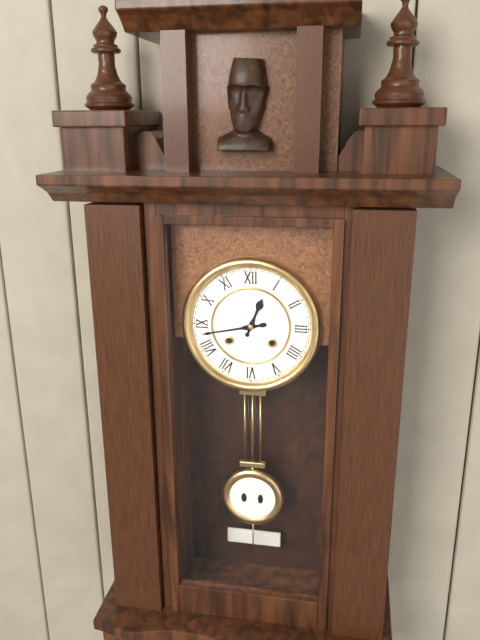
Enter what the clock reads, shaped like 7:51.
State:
12:43
